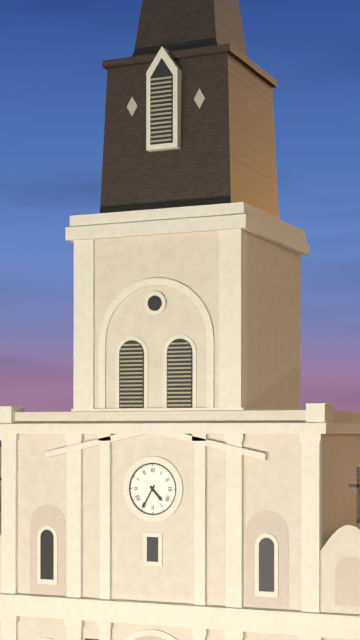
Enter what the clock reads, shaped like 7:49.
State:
4:35
